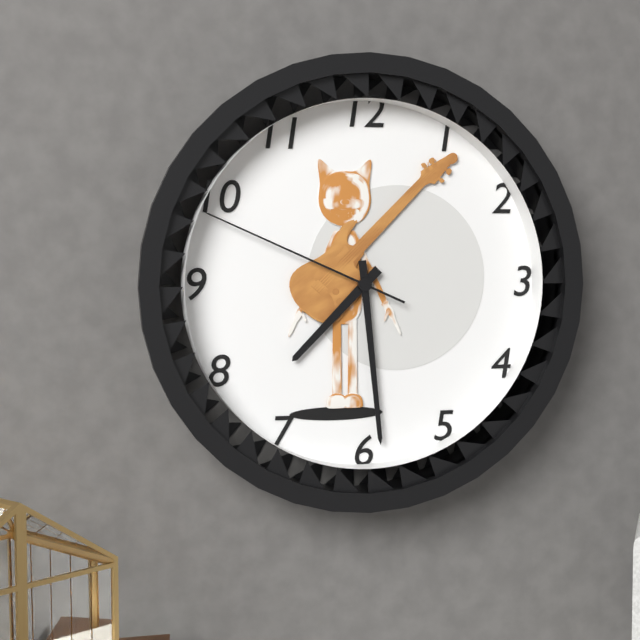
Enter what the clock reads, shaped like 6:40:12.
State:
7:29:49
